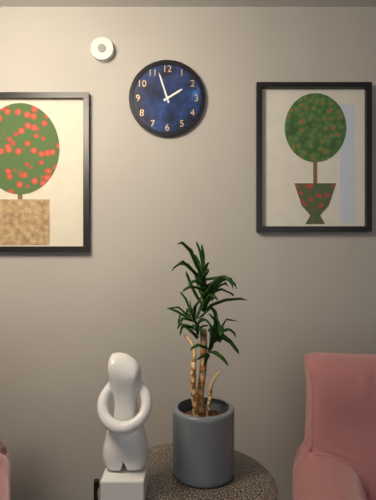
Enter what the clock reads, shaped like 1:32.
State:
1:57
